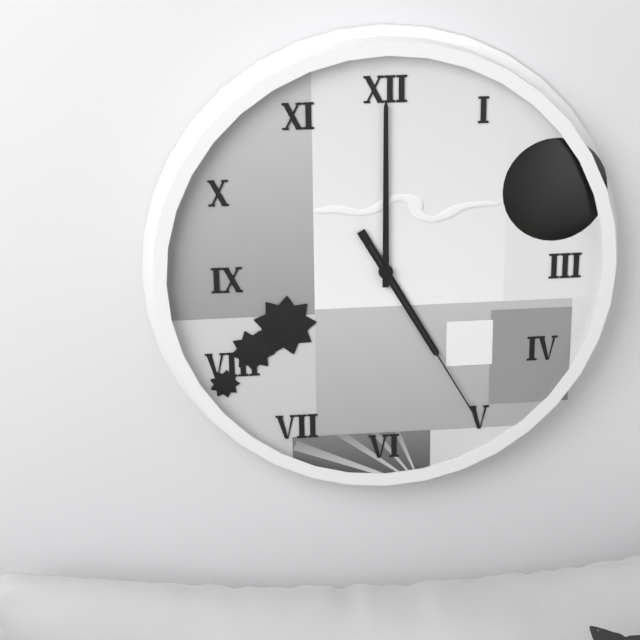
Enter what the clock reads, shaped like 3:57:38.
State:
5:00:25
